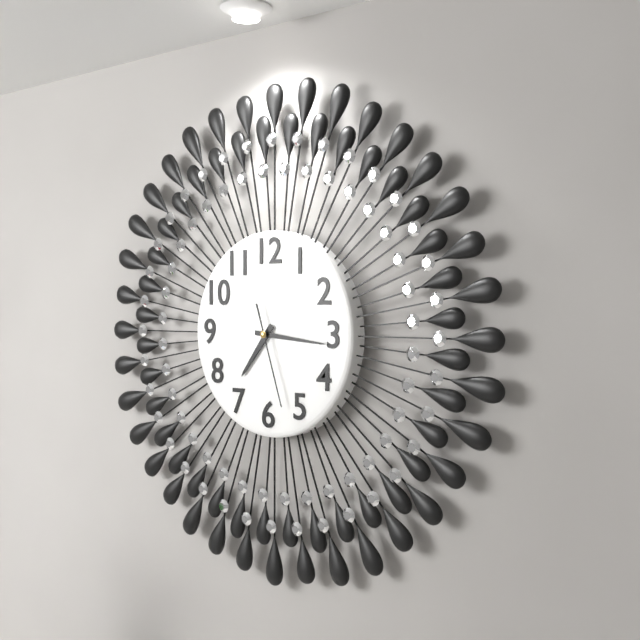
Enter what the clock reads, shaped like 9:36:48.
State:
7:16:27
